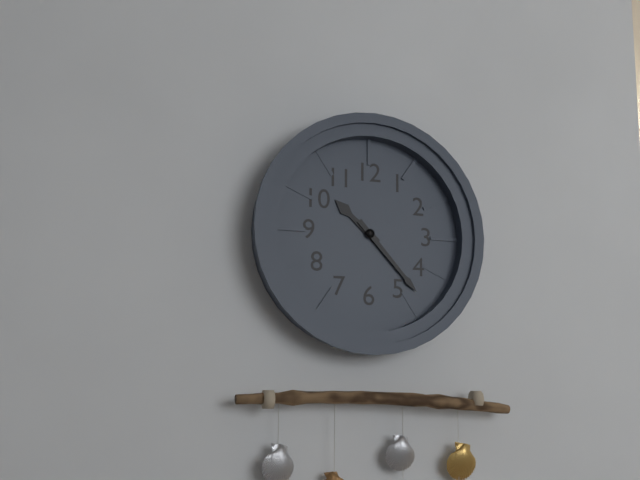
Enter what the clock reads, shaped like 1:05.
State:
10:23
